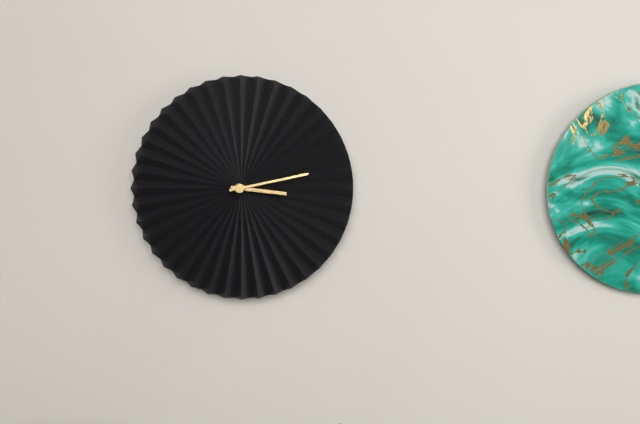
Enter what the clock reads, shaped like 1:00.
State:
3:13
